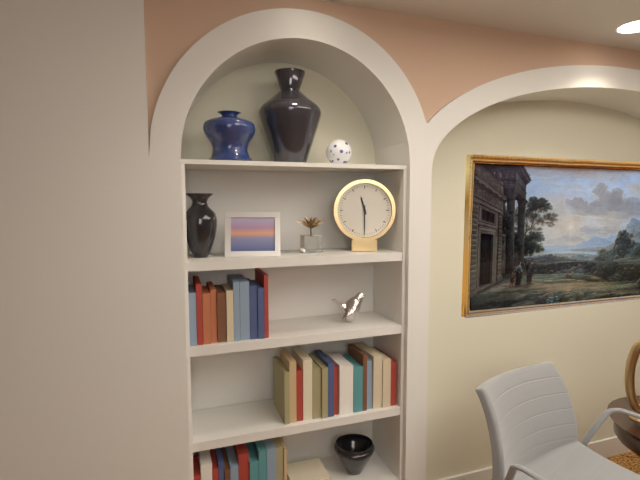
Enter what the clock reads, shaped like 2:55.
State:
11:30
